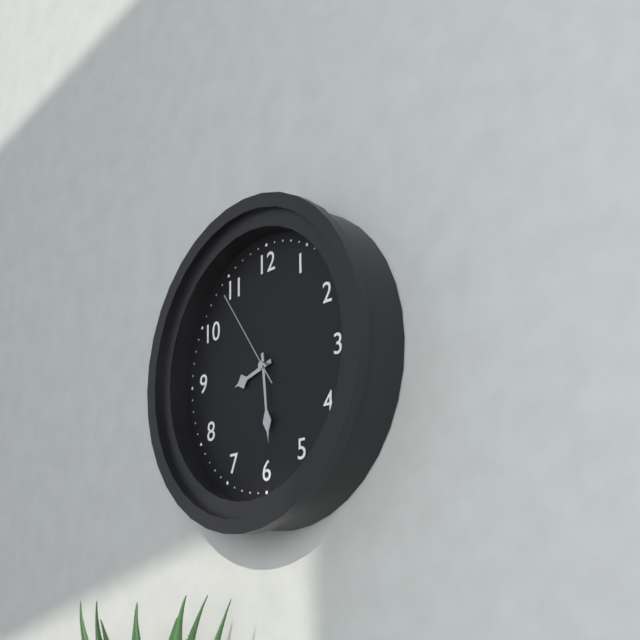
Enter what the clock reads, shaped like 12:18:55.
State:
8:29:54
